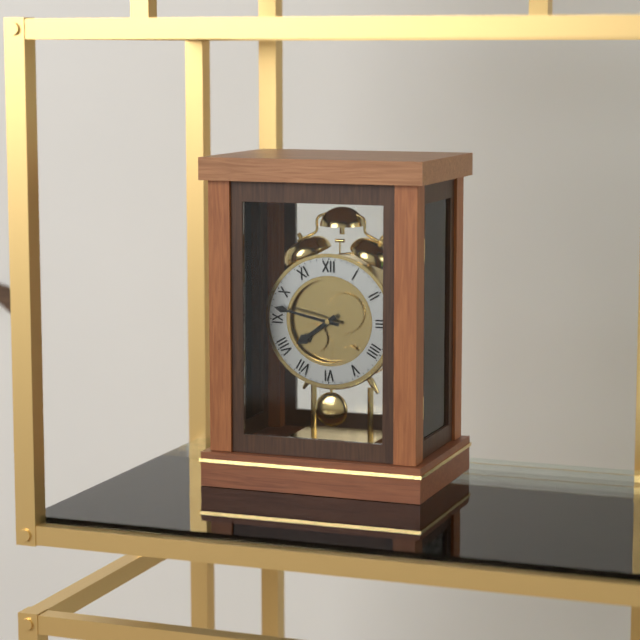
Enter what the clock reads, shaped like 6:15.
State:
7:47
